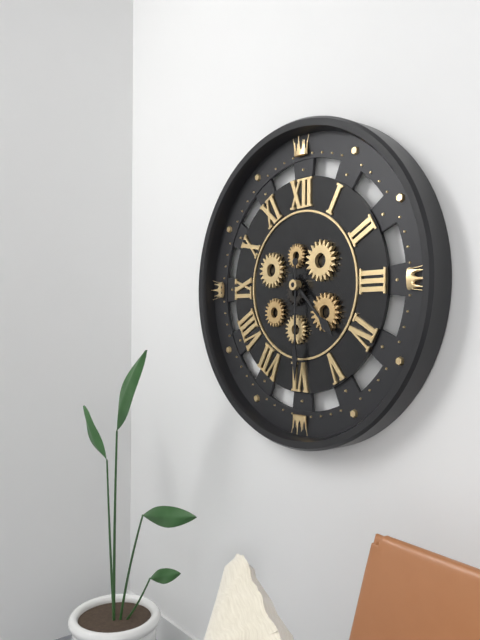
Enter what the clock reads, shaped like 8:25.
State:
4:30
